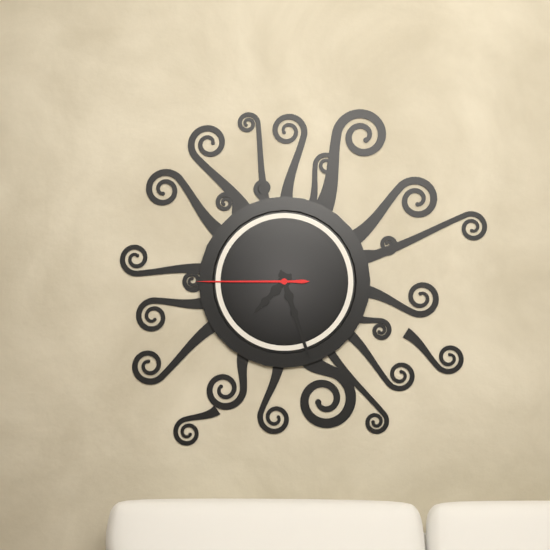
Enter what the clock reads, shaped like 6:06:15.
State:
7:27:45
